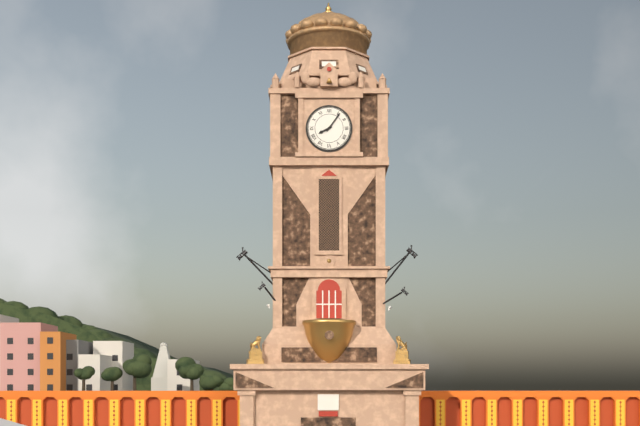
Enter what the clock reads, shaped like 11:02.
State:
8:06
